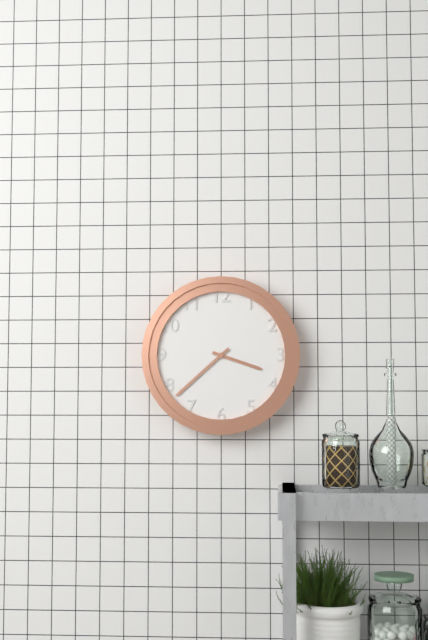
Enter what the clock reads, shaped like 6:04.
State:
3:38
